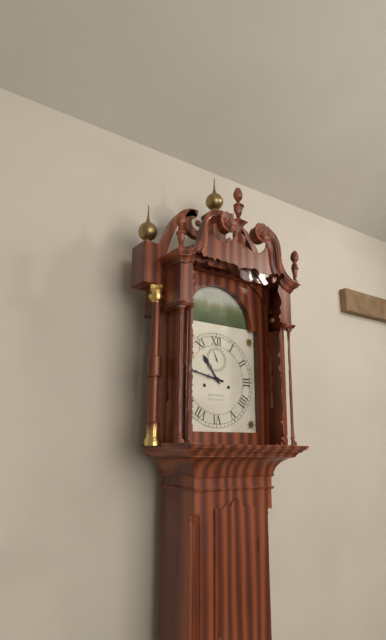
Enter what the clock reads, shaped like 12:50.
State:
10:47
